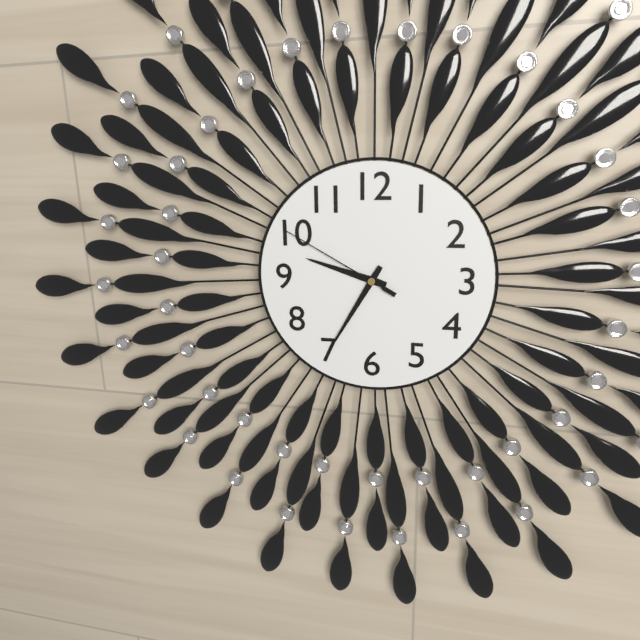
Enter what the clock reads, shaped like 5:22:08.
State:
9:35:50
